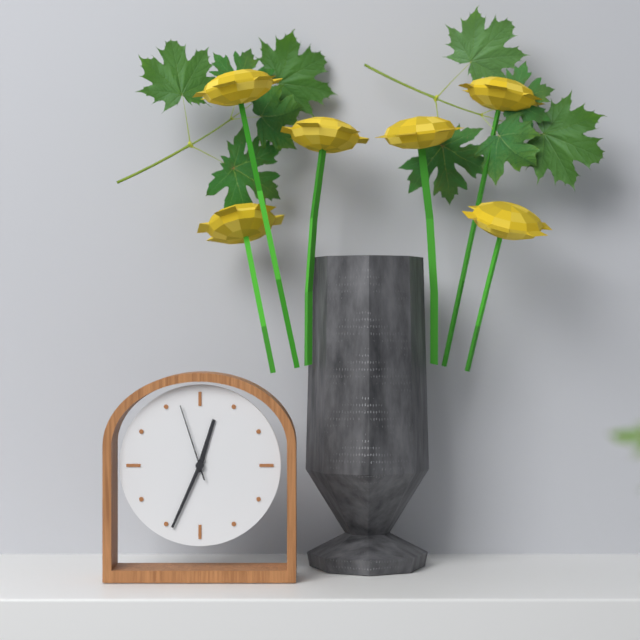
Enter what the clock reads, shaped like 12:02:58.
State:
12:34:57
